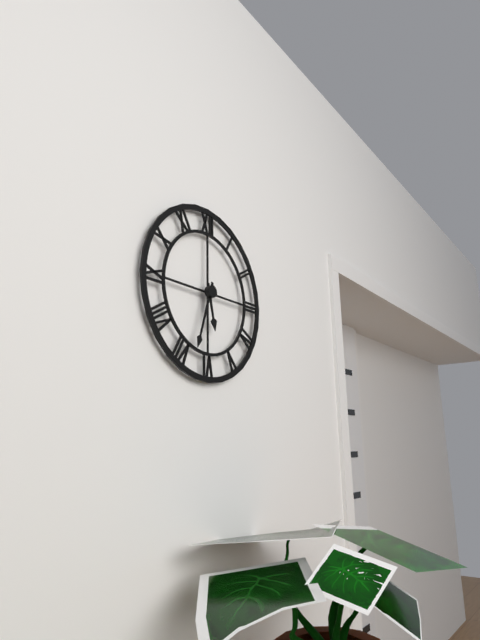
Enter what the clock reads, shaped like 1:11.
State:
5:33
